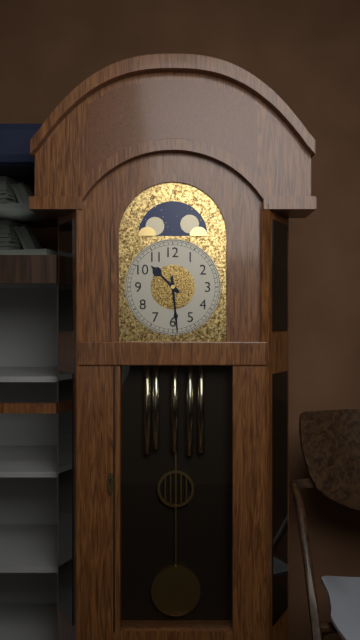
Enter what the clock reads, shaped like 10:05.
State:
10:29
